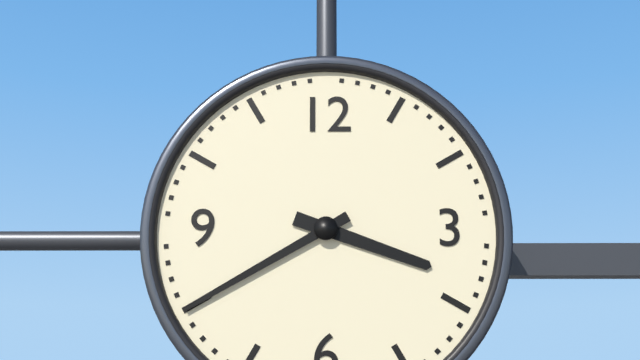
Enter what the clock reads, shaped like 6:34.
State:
3:40
